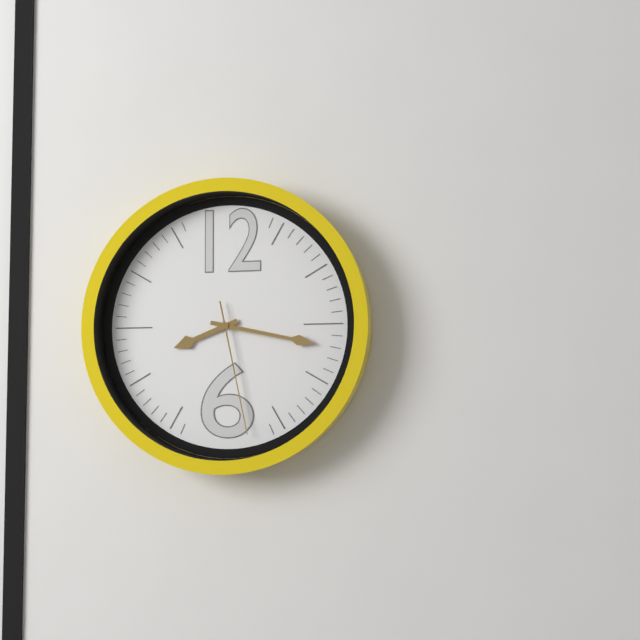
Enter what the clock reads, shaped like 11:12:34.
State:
8:17:28
